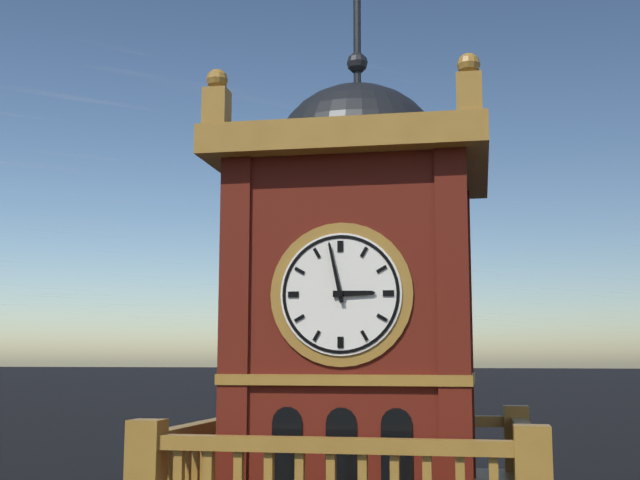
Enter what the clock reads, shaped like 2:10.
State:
2:58
